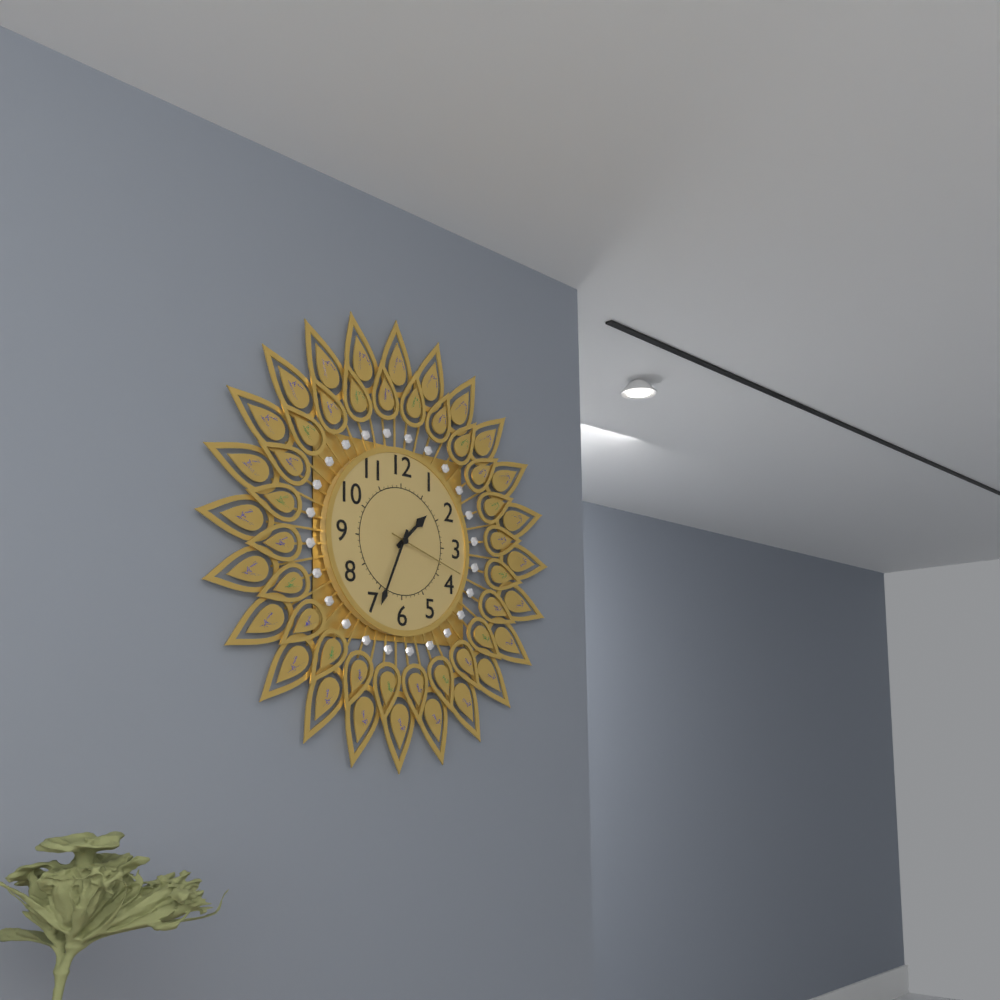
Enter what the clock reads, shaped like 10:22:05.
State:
1:34:18
